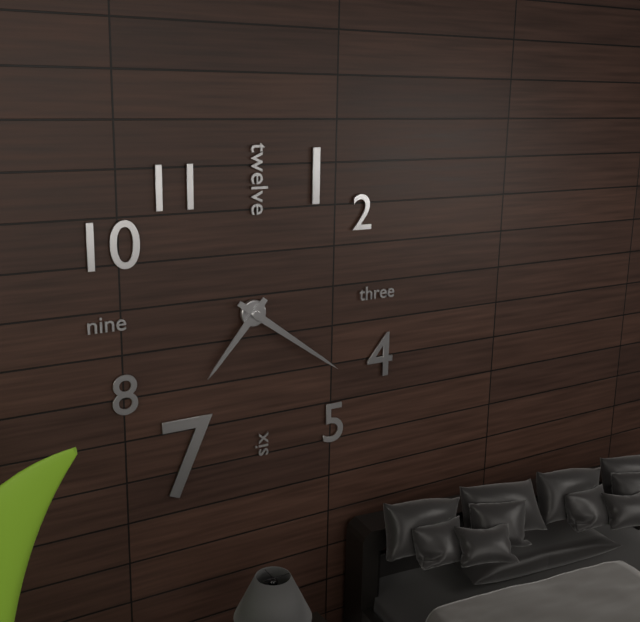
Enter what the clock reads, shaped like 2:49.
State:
7:21
